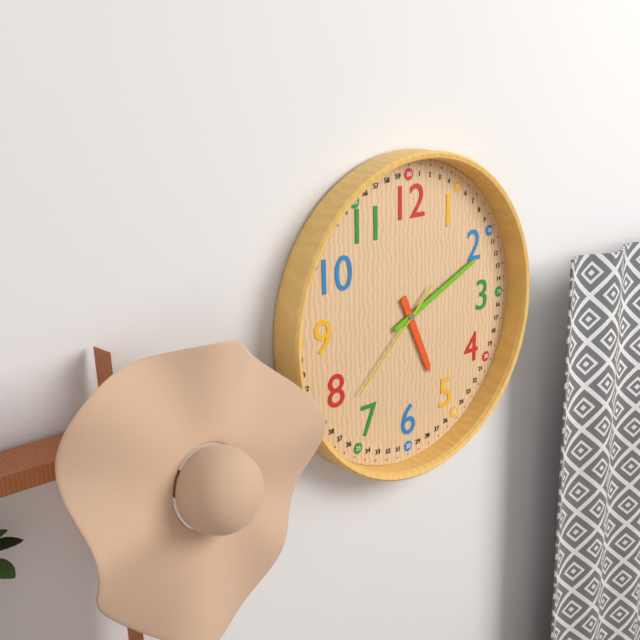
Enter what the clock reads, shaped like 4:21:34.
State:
5:11:38
